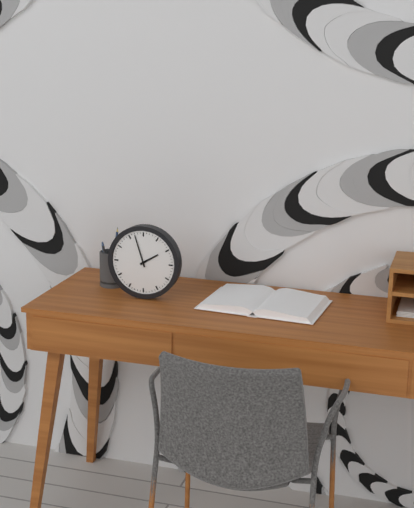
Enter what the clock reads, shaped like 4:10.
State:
1:57
